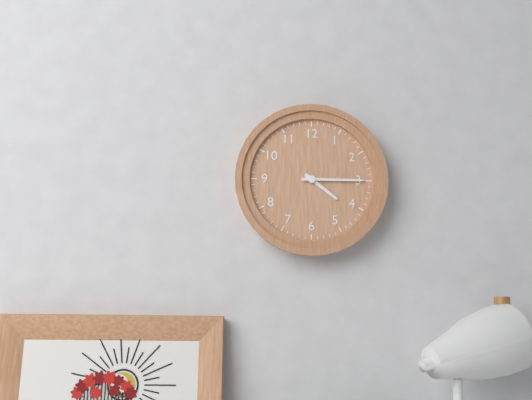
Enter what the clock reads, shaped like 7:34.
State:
4:15
